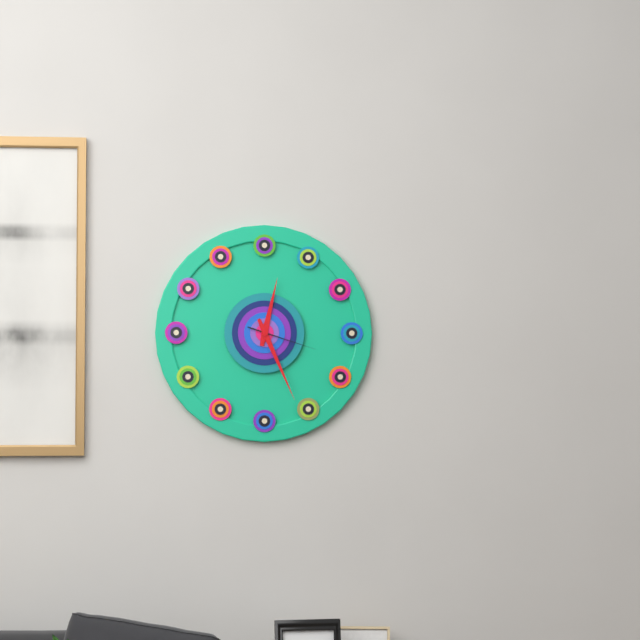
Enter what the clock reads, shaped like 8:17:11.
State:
12:26:18
